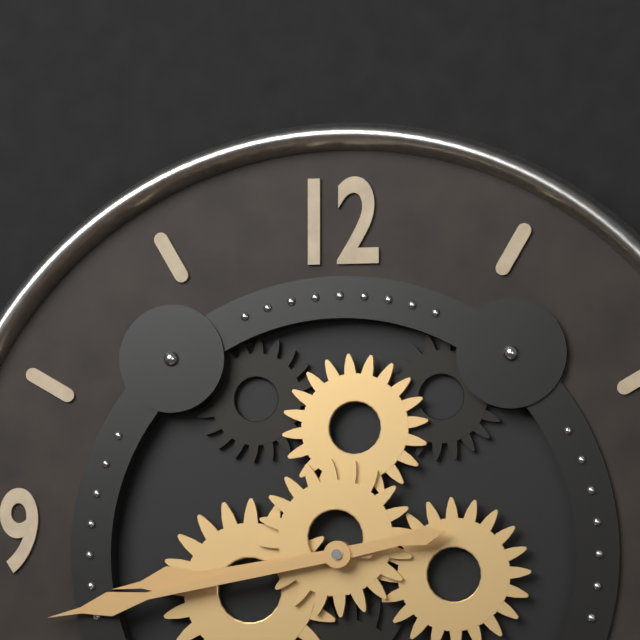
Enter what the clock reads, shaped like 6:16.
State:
8:43
